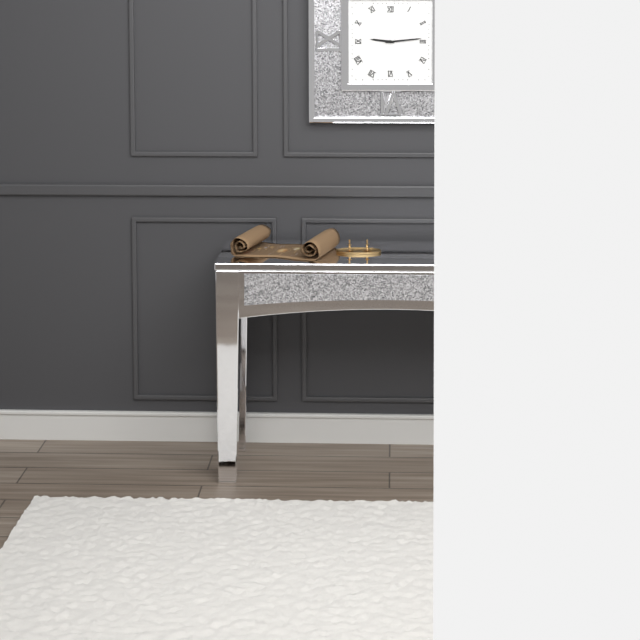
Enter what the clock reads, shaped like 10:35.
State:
9:14
